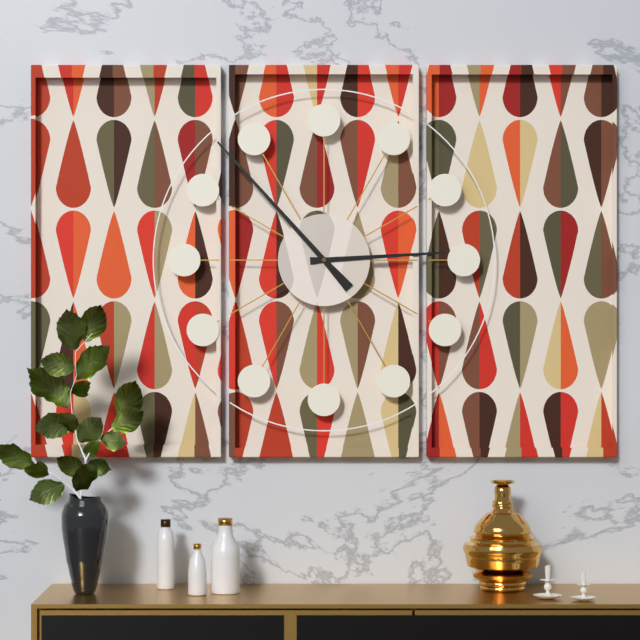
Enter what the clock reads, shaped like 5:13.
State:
2:53
